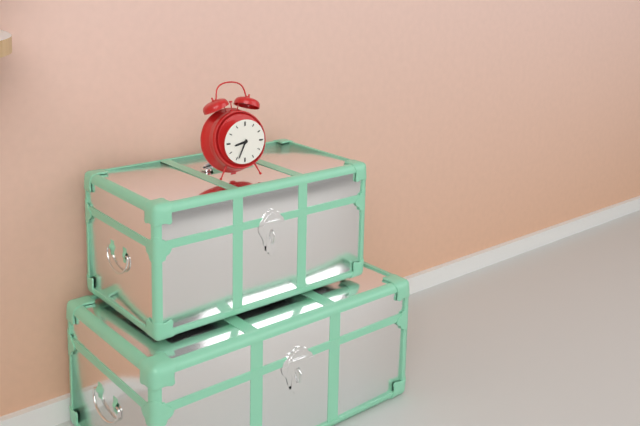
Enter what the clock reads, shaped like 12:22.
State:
8:34
